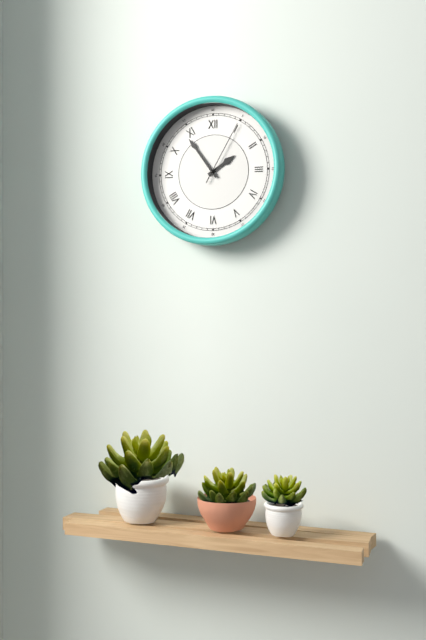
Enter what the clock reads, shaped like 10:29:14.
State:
1:54:05
